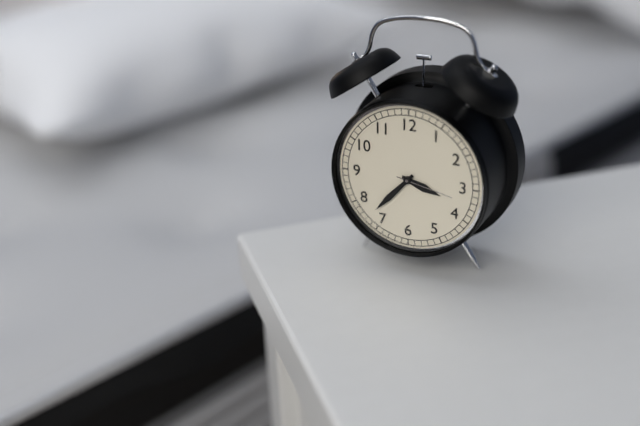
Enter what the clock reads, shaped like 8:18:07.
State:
3:37:17
